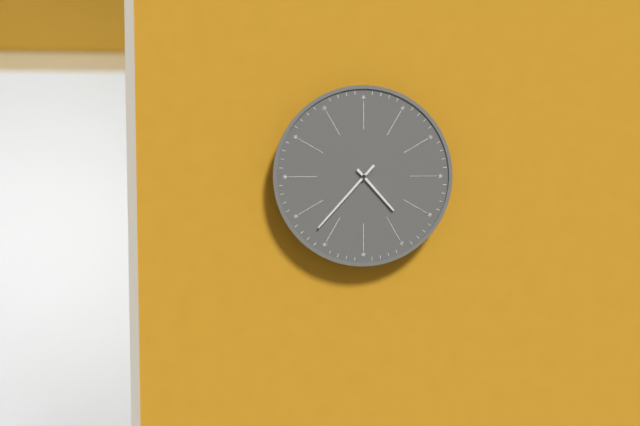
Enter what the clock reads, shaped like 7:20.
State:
4:37
